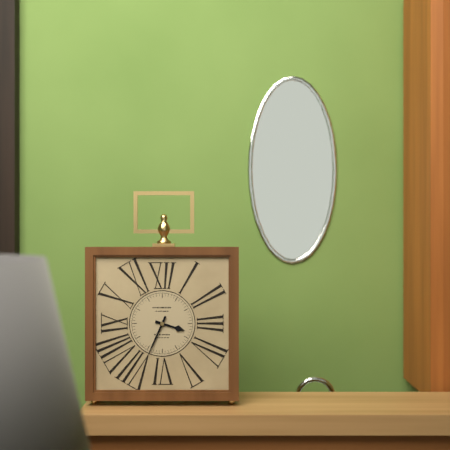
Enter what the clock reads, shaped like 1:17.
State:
3:34
